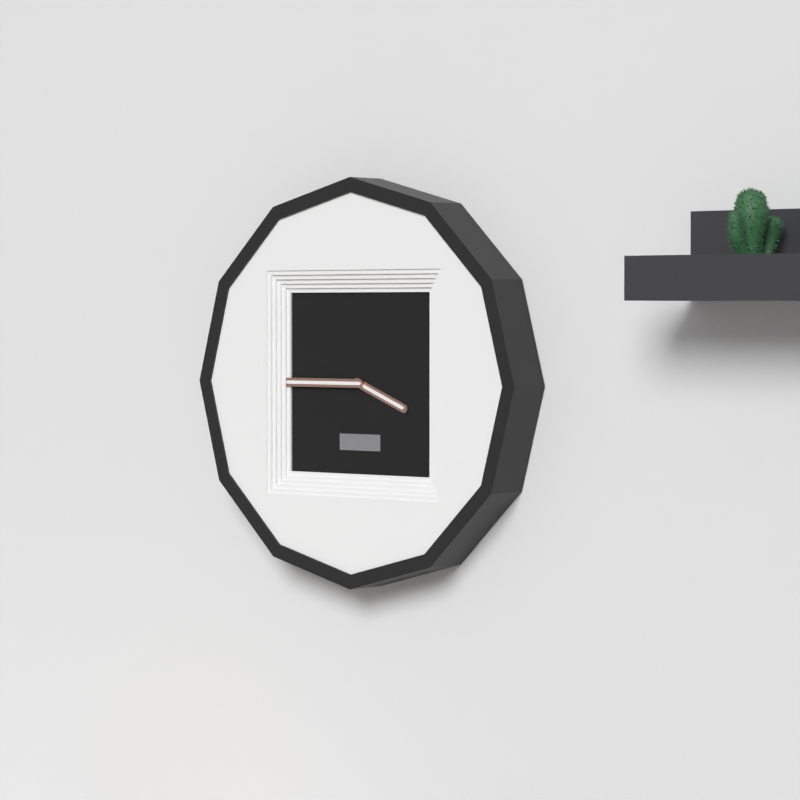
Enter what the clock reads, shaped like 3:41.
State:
3:45
